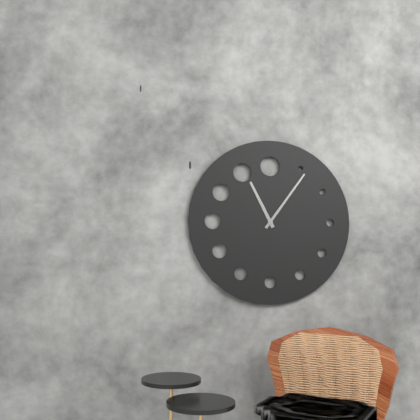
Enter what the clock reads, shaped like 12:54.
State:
11:06
